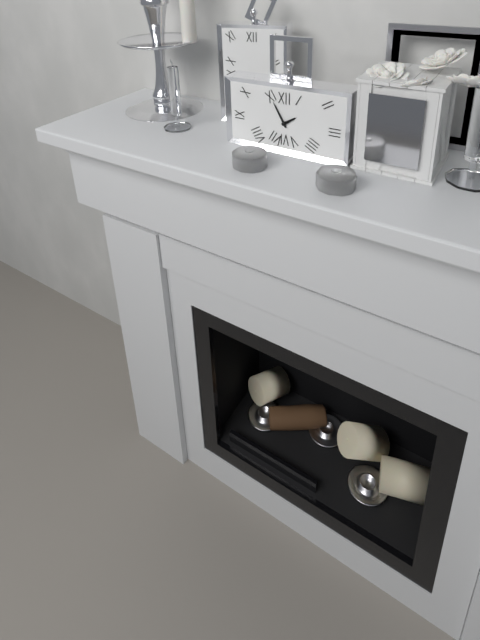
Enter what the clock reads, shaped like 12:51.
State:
1:55
